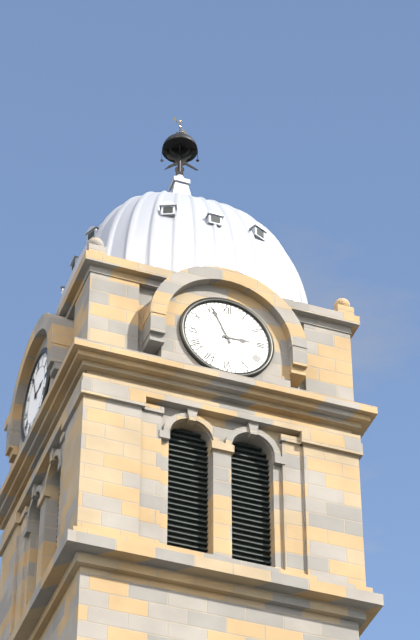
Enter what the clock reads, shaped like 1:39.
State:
2:56
